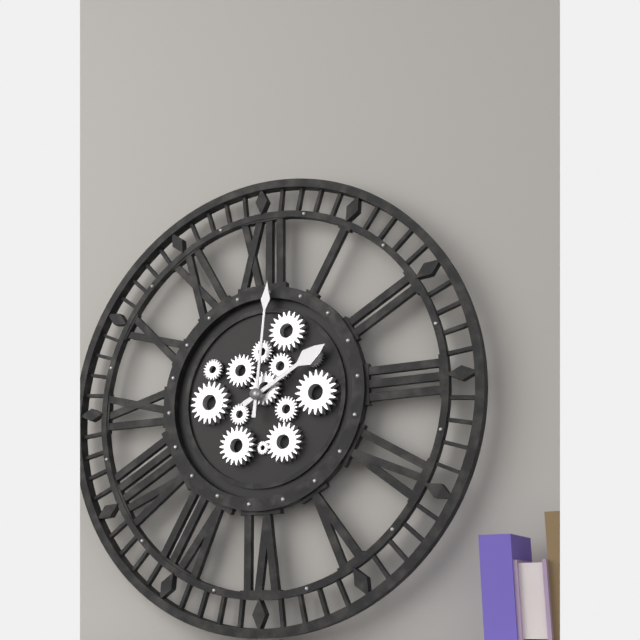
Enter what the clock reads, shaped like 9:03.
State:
2:01
